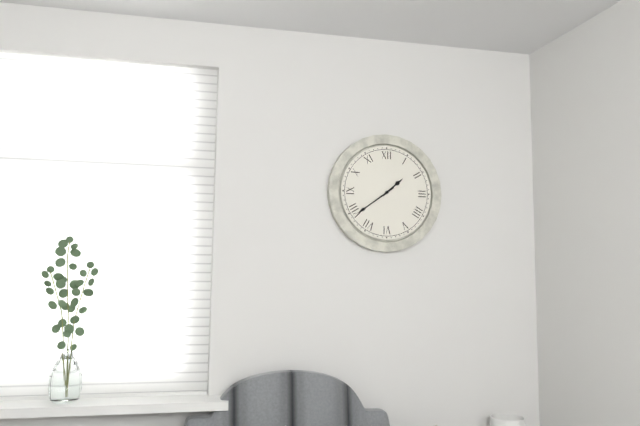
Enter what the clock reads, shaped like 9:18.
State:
1:39
